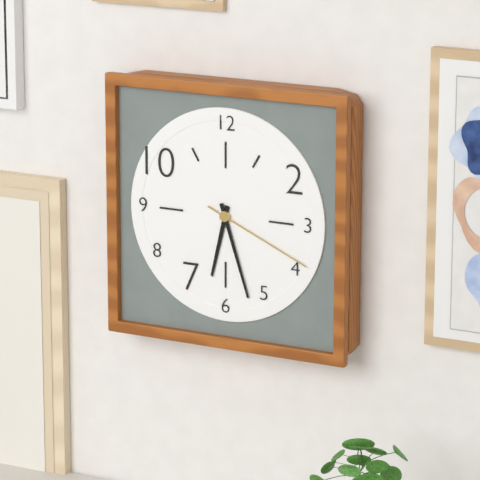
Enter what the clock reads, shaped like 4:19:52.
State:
6:27:19
